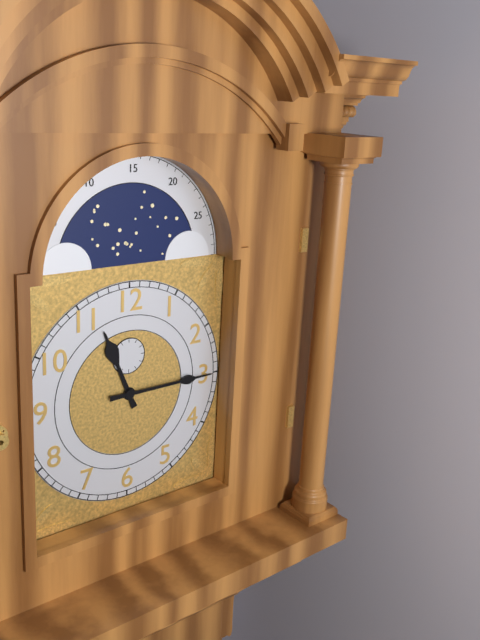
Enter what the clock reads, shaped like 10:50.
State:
11:15
